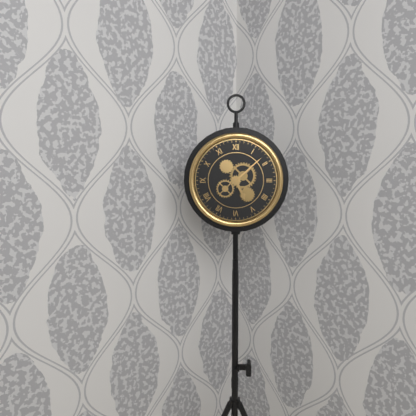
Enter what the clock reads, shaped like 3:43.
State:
5:08
